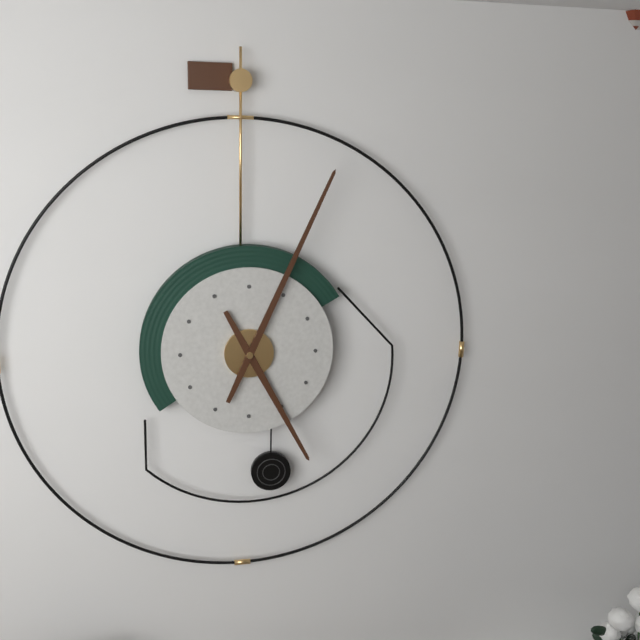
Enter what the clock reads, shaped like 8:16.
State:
5:04
